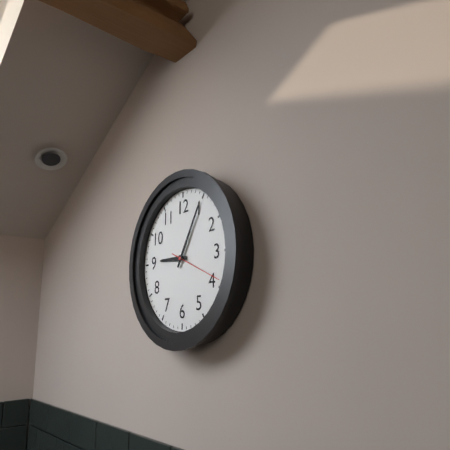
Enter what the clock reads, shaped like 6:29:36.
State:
9:05:19
